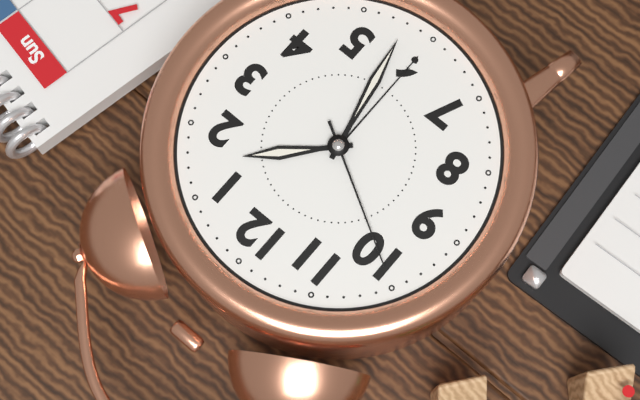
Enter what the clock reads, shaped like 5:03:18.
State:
1:28:50
